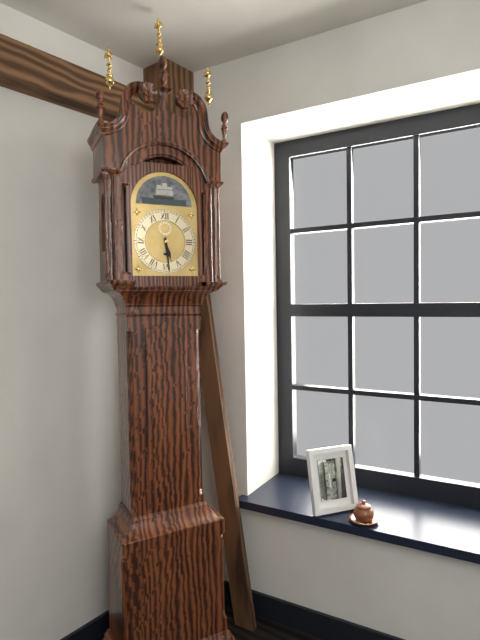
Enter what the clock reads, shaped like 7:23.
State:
5:29
